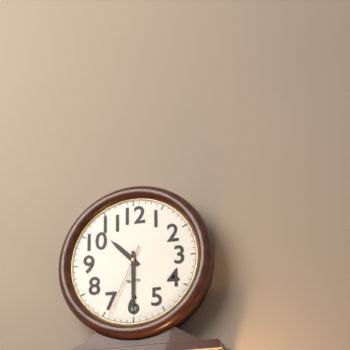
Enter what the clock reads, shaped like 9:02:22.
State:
10:30:34
